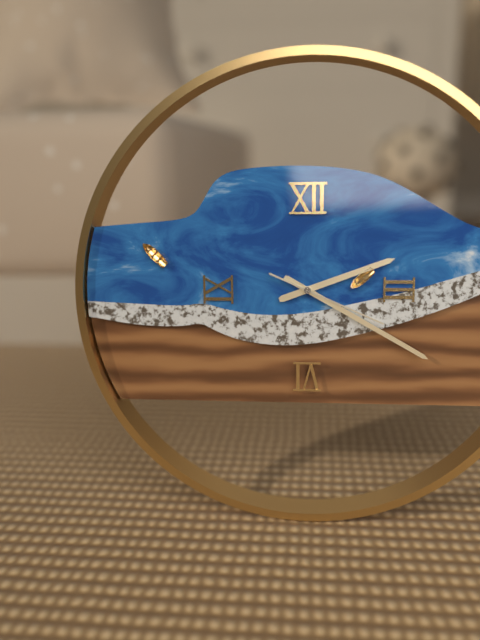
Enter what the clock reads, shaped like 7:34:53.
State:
2:20:19
